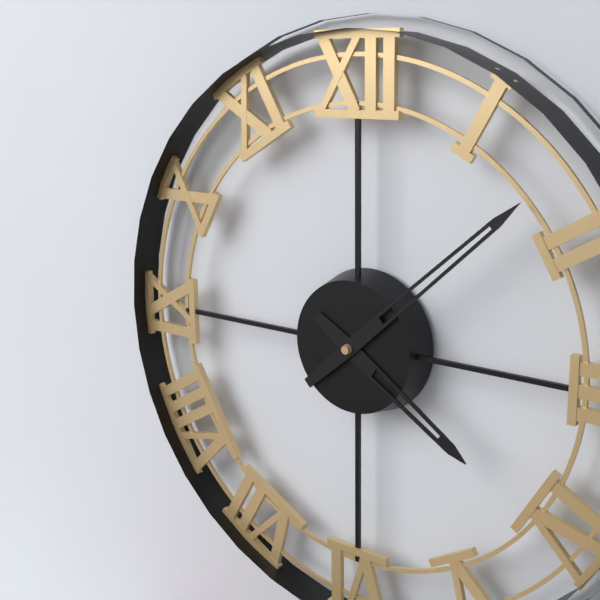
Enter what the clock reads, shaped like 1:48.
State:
4:08
